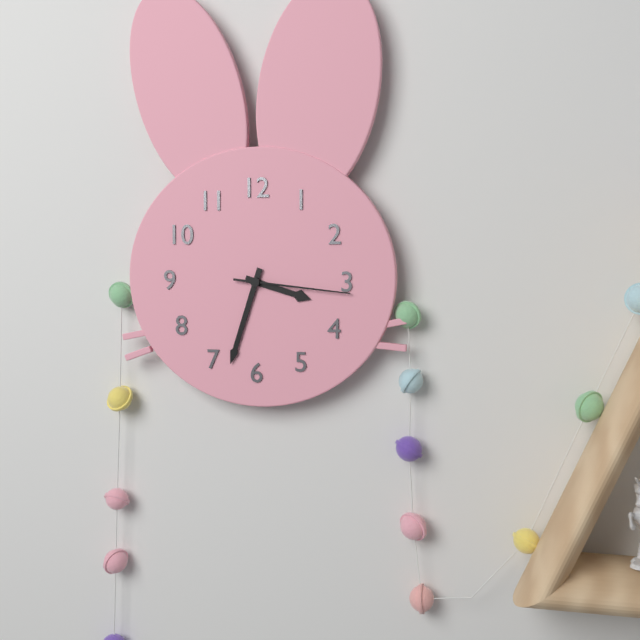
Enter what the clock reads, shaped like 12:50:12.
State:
3:33:16
